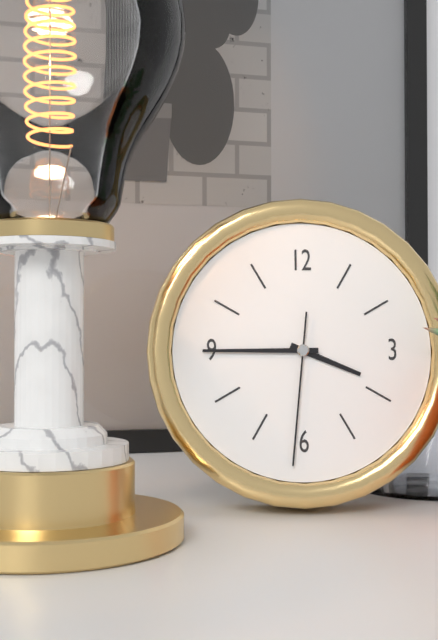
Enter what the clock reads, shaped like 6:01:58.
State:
3:45:31
